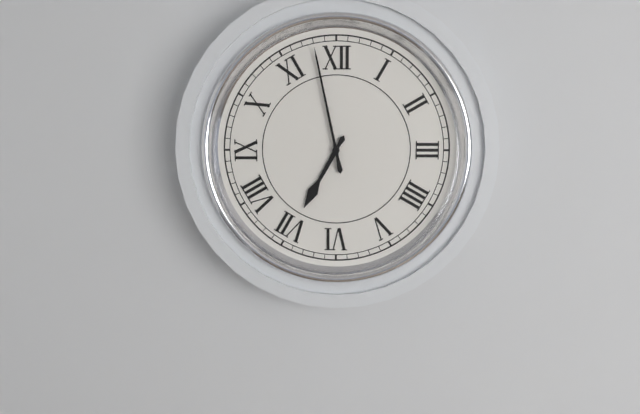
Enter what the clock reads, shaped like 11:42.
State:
6:58
